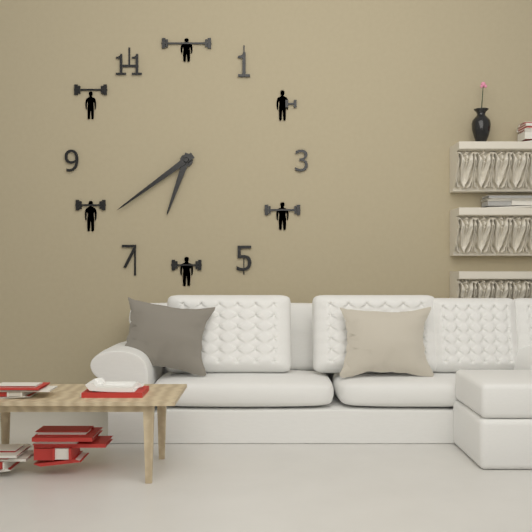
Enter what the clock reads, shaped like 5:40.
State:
6:39
